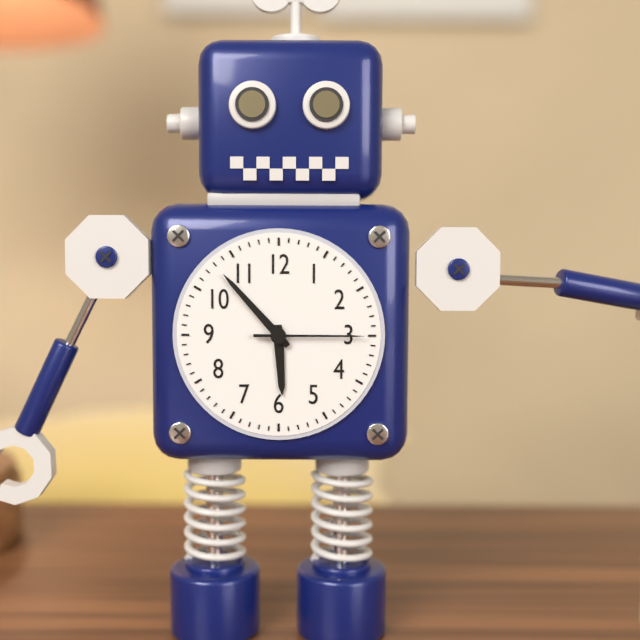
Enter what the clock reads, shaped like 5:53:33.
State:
5:53:15
